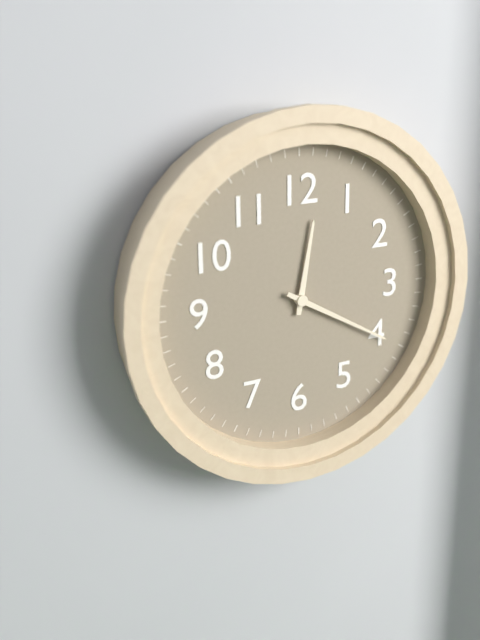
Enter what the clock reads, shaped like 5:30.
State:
12:20
